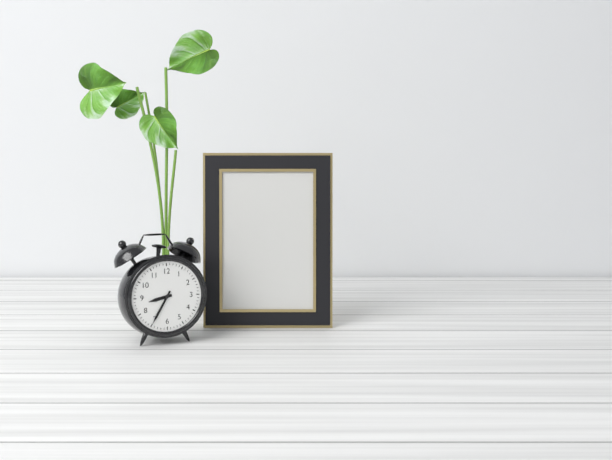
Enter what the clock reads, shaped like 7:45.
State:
8:35
